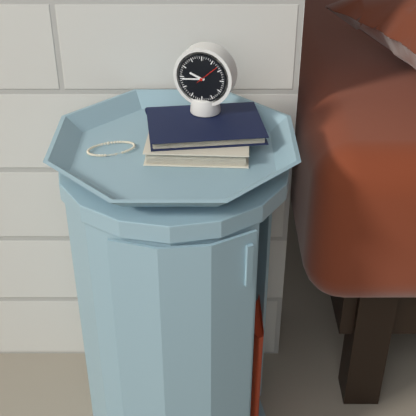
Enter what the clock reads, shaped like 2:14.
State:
9:44
